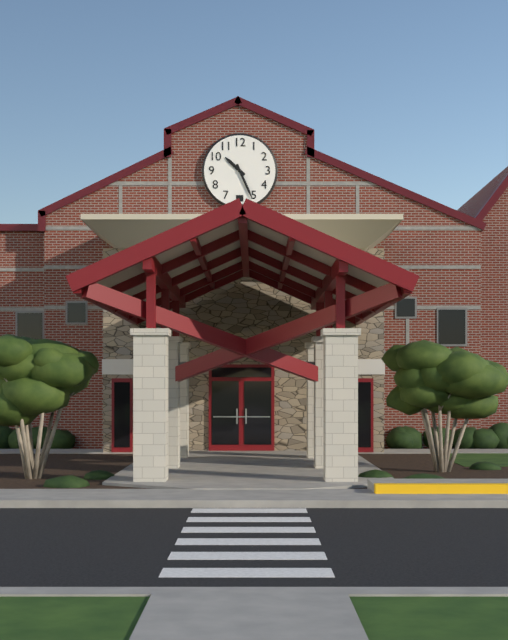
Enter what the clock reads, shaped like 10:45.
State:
10:26
